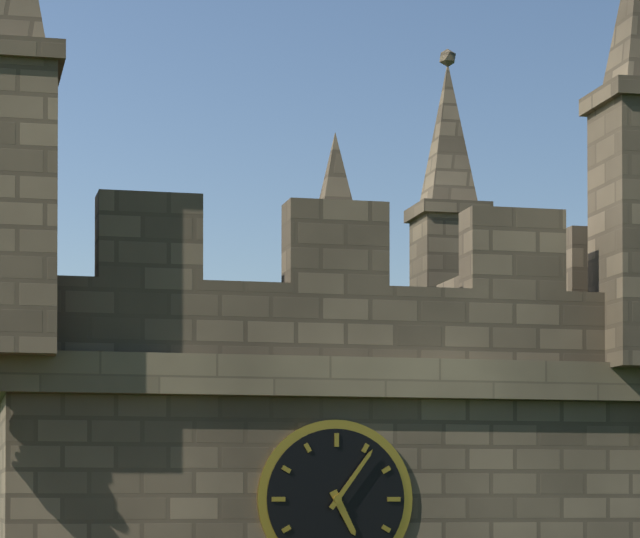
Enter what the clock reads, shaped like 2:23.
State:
5:06
